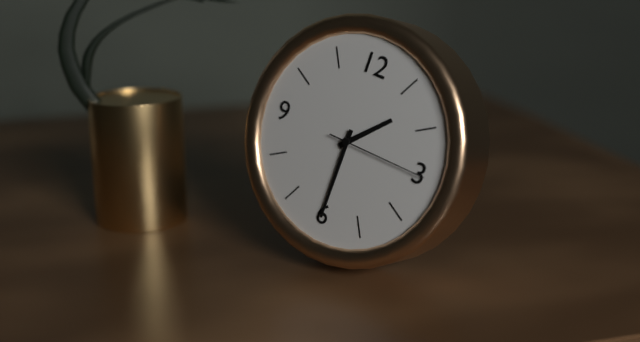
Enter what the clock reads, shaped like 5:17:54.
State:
1:30:15
